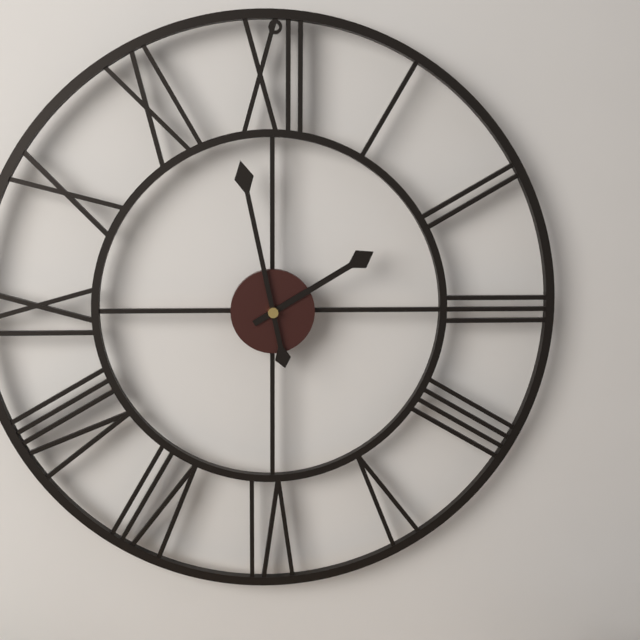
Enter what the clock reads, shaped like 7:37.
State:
1:58
